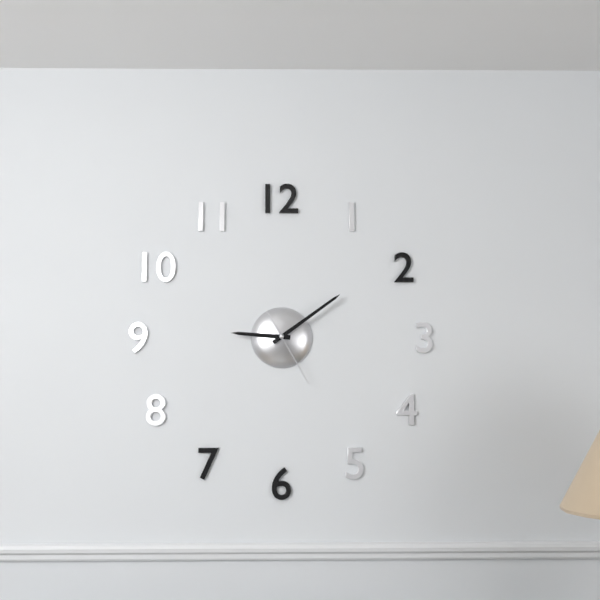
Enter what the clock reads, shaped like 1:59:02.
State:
9:09:25
